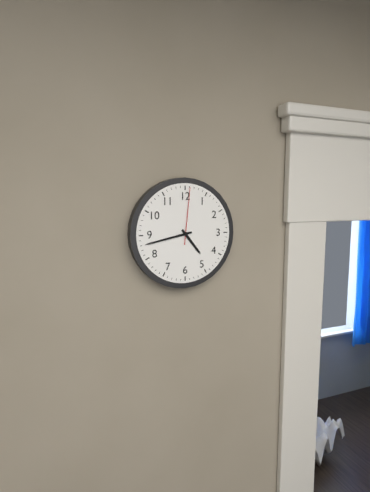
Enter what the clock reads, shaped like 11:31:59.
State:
4:43:01
